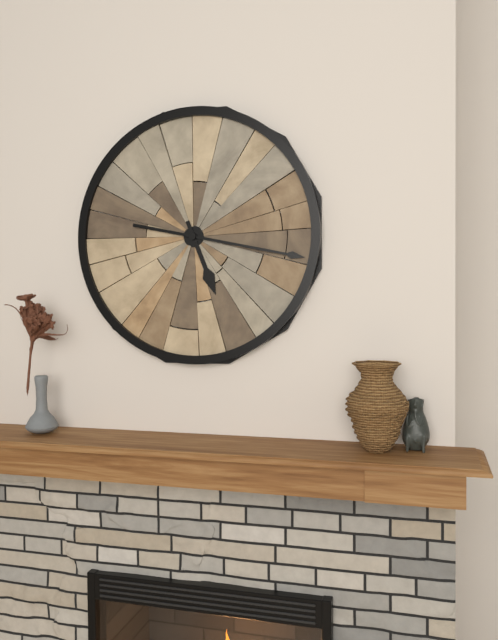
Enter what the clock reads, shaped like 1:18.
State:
5:17
